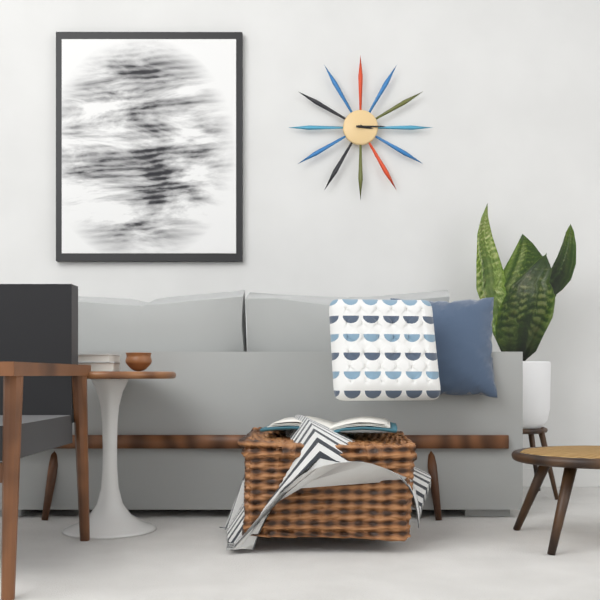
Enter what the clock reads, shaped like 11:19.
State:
3:15
